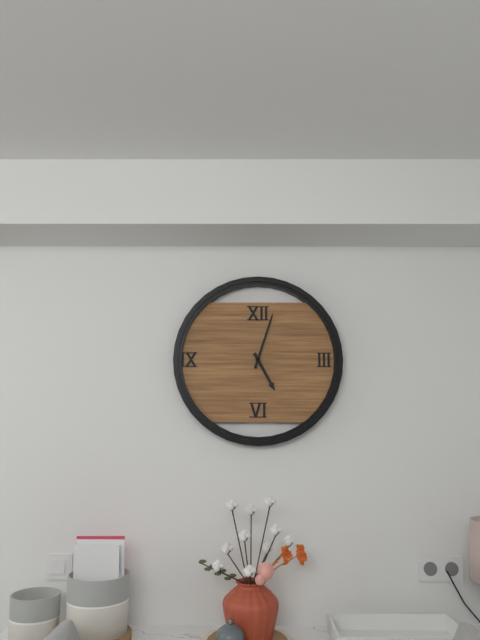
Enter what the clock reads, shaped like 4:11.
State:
5:03
